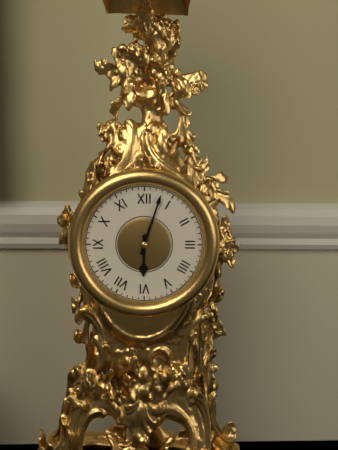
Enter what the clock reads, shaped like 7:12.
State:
6:03
